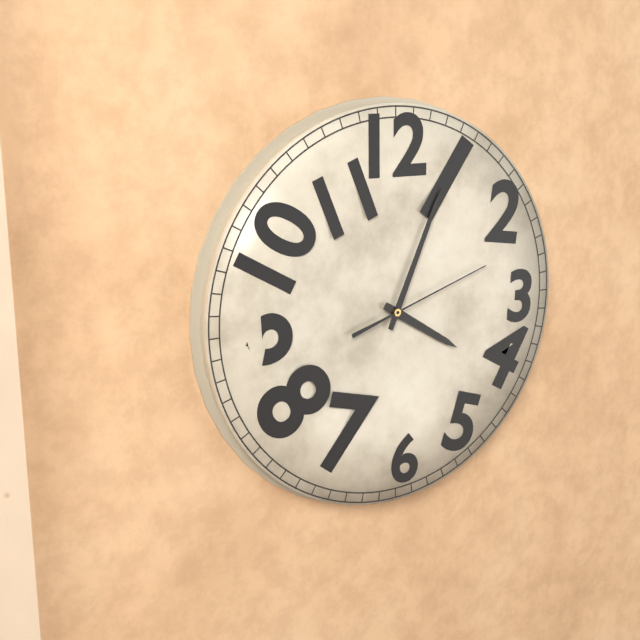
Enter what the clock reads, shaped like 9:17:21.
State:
4:04:12
